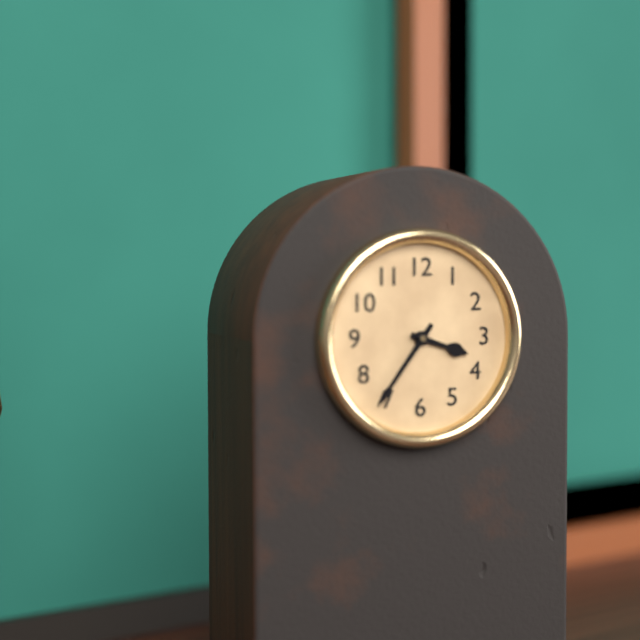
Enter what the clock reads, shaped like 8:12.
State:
3:36
